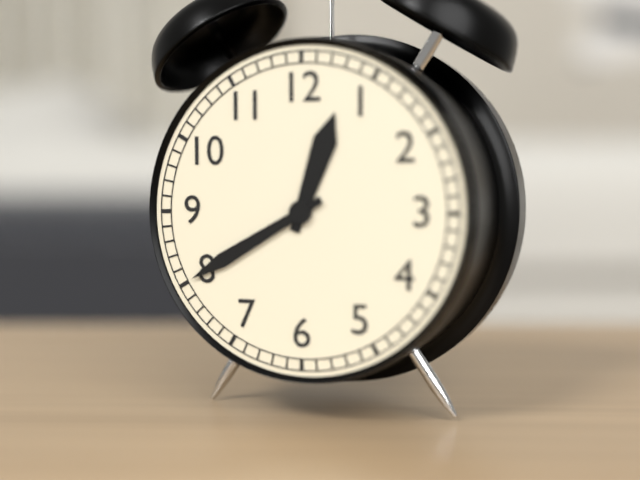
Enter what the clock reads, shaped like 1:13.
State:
12:40
